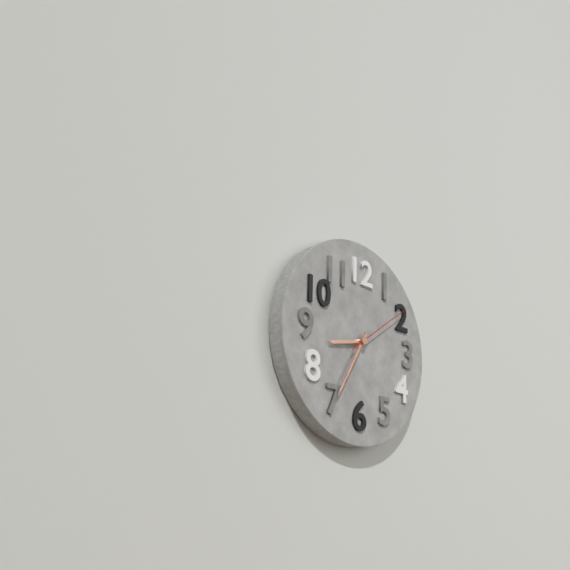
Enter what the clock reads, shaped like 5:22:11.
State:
8:35:09
